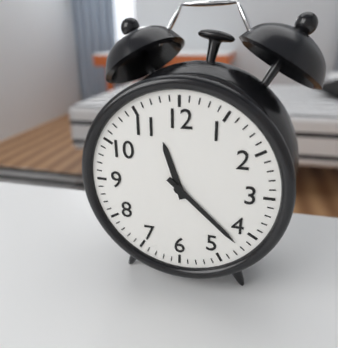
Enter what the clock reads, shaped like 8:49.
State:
11:22
